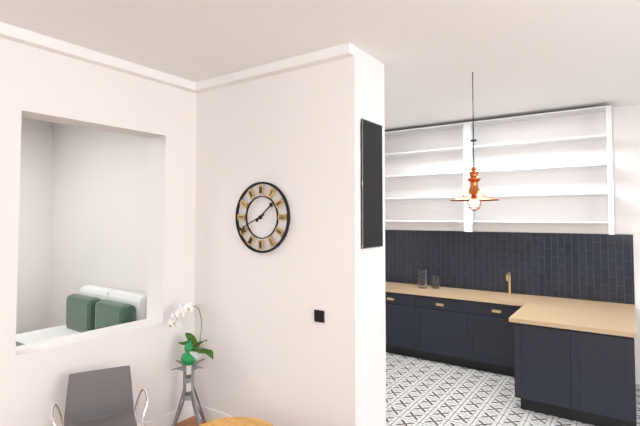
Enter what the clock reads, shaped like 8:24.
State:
1:41
